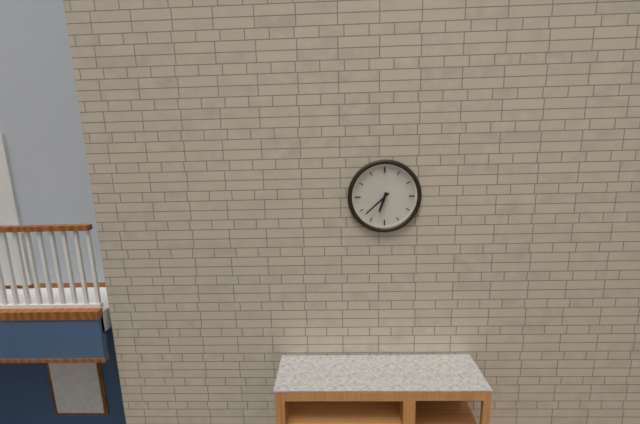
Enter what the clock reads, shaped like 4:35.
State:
6:38
